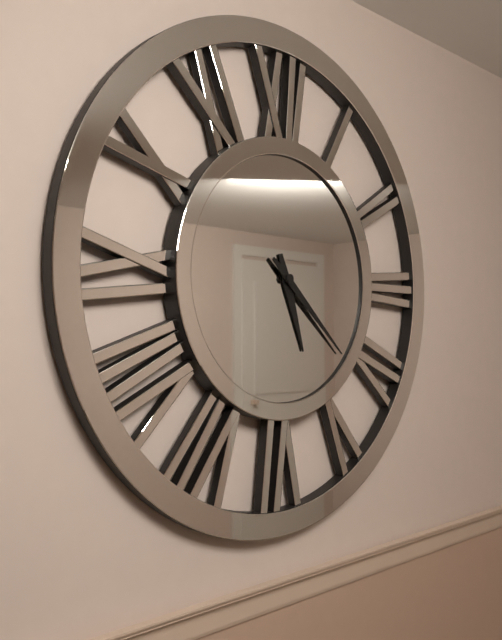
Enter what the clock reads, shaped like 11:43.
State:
5:22
